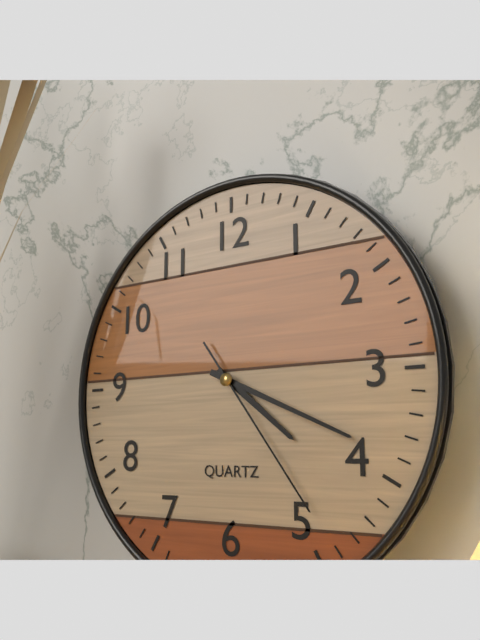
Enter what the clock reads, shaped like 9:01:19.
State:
4:19:24
